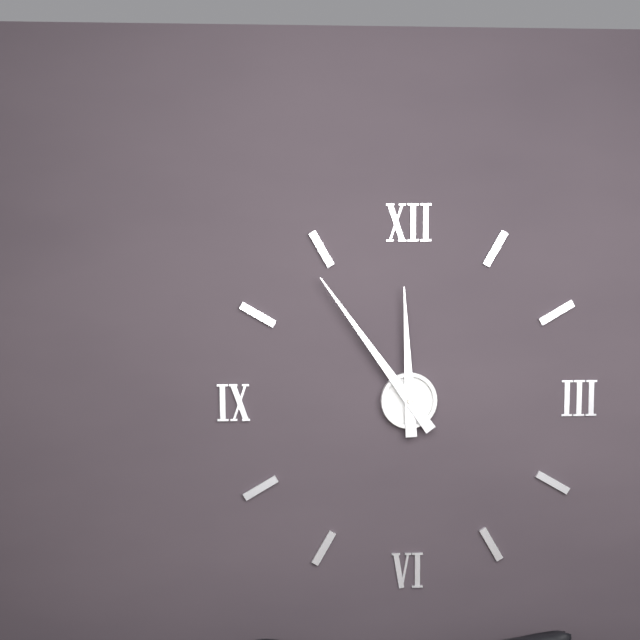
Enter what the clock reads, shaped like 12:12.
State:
11:54
